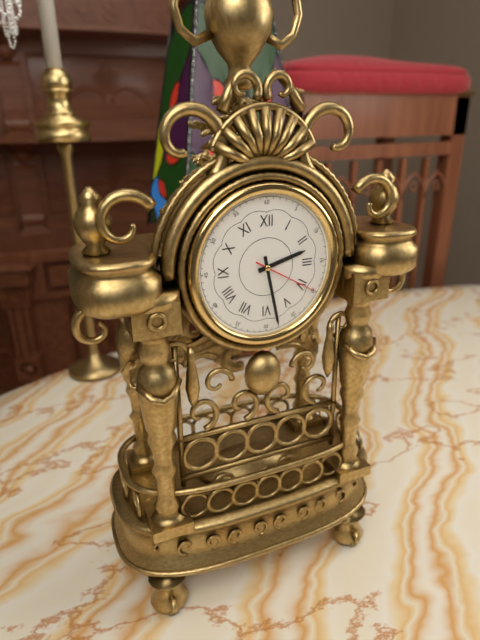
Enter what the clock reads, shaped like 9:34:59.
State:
2:28:20
